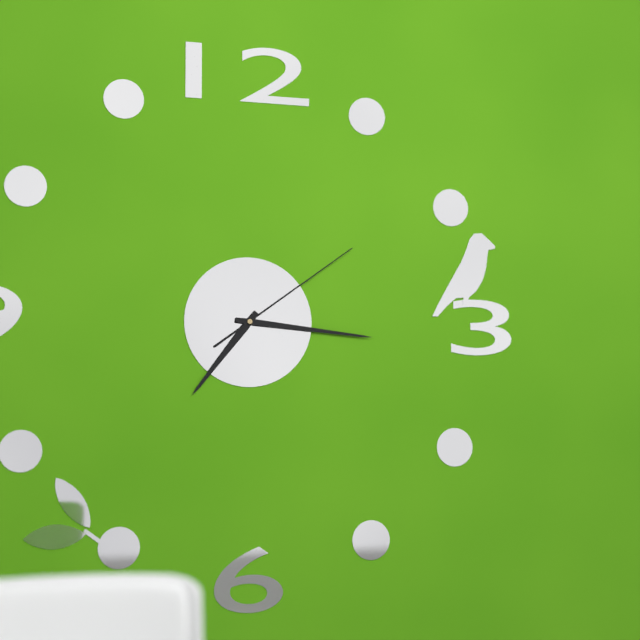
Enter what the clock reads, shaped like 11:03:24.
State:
7:16:09
